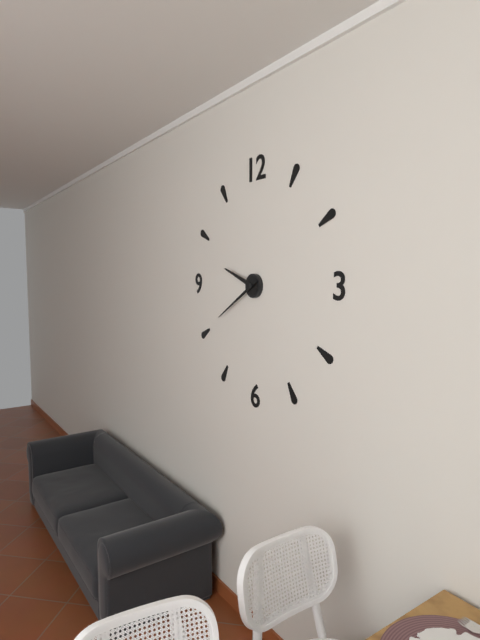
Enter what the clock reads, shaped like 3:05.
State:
9:40
